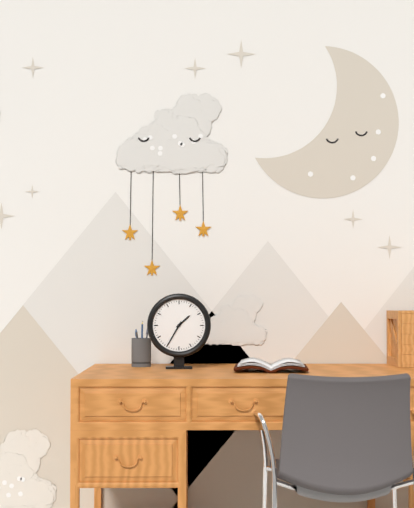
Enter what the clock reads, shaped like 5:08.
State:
1:35
